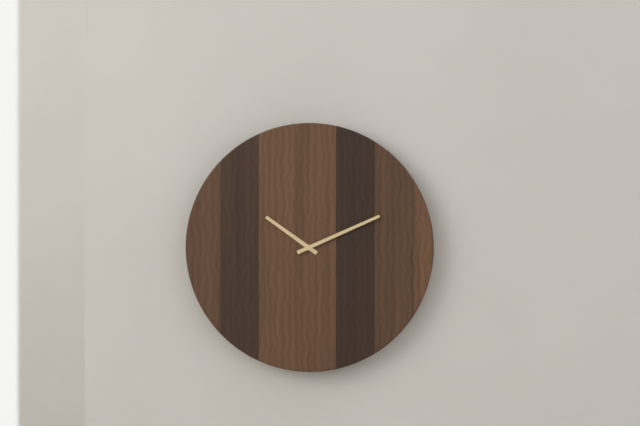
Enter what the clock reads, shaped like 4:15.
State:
10:11
